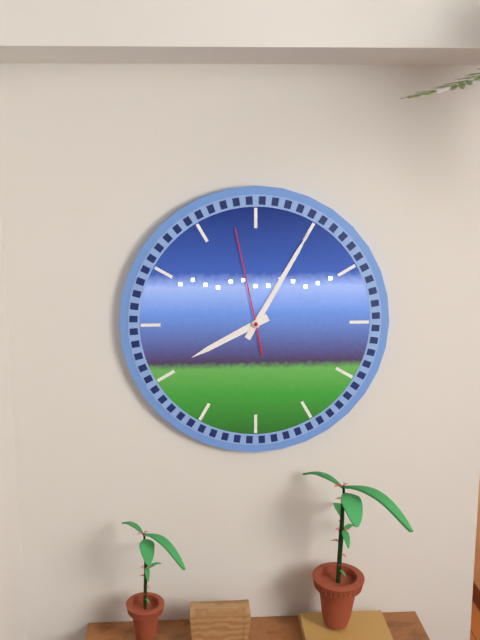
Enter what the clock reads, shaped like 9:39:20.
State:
8:05:58
